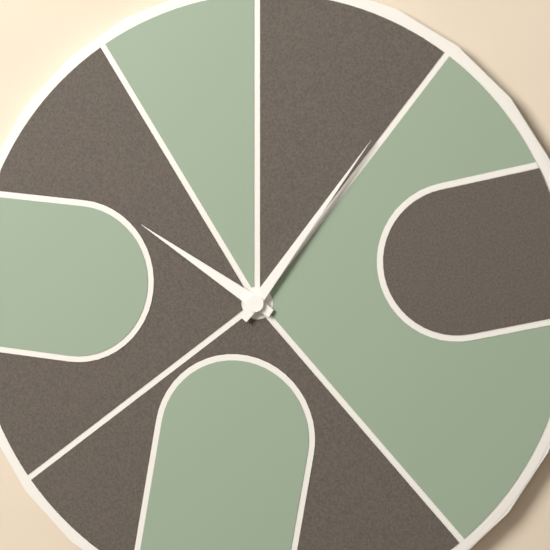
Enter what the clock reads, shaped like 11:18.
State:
10:06
